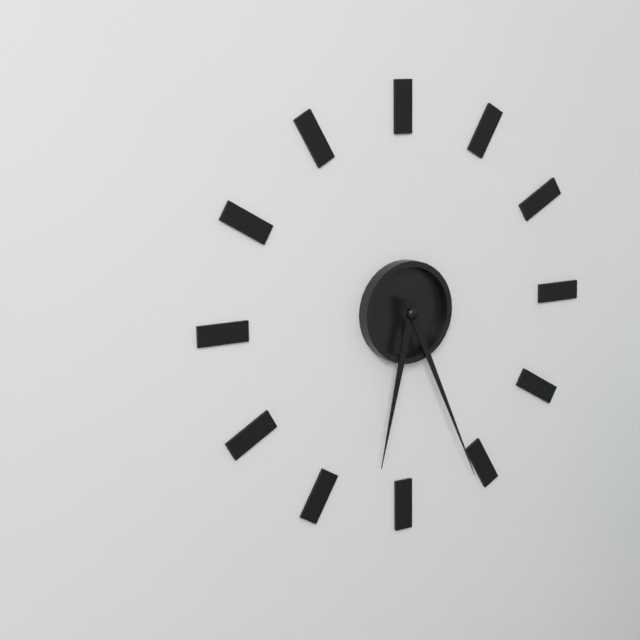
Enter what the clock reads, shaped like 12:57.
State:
6:26
